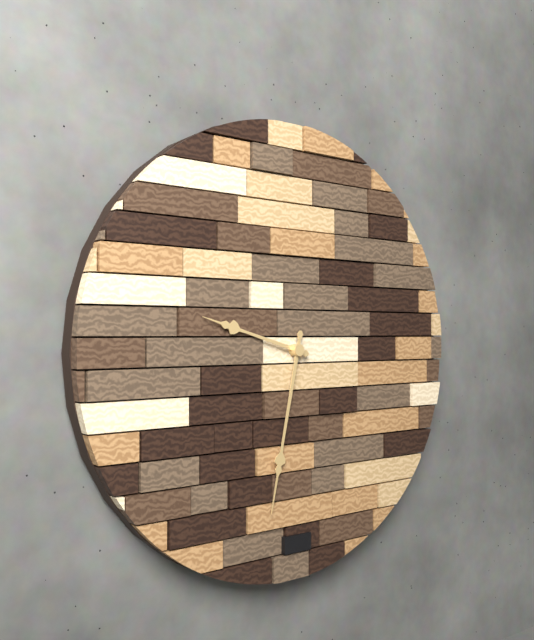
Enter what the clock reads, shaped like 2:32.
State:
9:32
